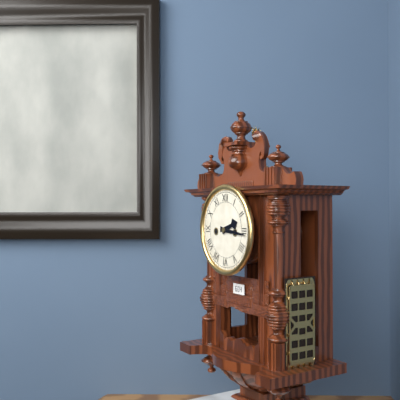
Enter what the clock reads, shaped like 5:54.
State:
2:16
